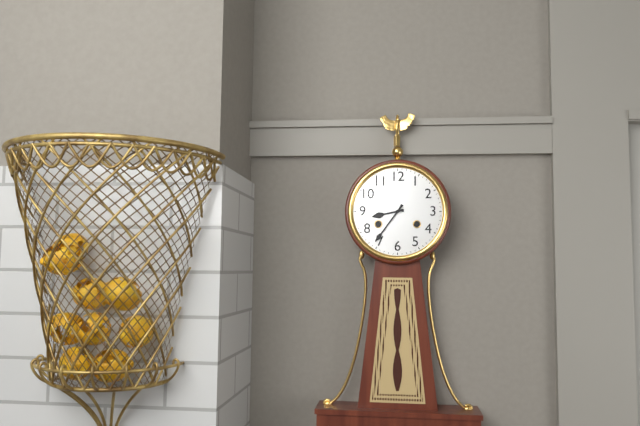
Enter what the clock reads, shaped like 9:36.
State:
8:36
